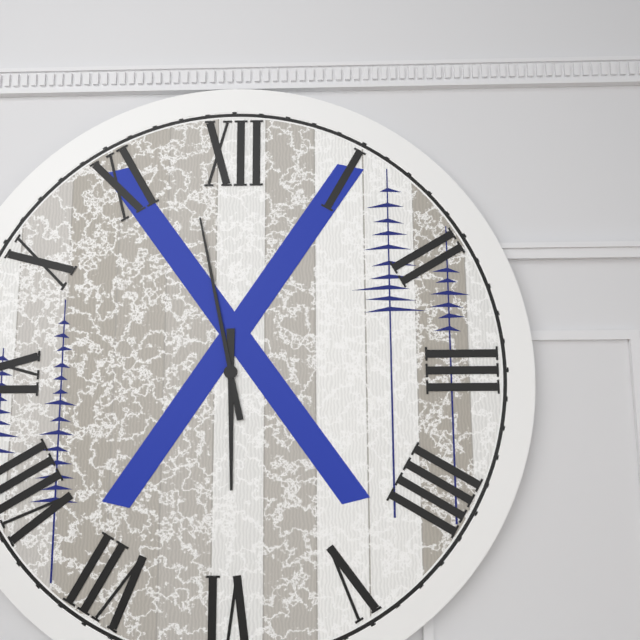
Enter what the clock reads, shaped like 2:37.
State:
5:58
